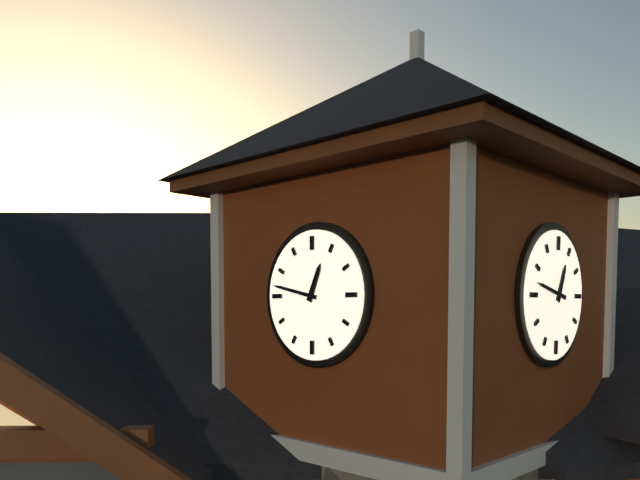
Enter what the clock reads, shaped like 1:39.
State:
12:47
